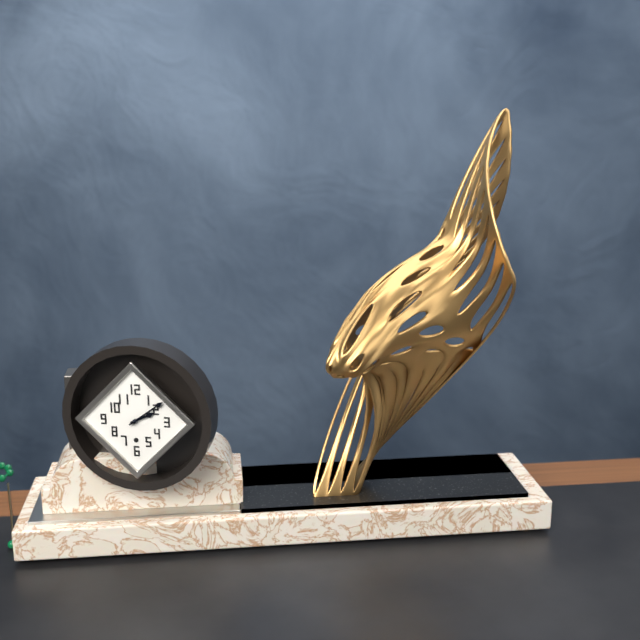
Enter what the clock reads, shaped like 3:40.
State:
2:09
